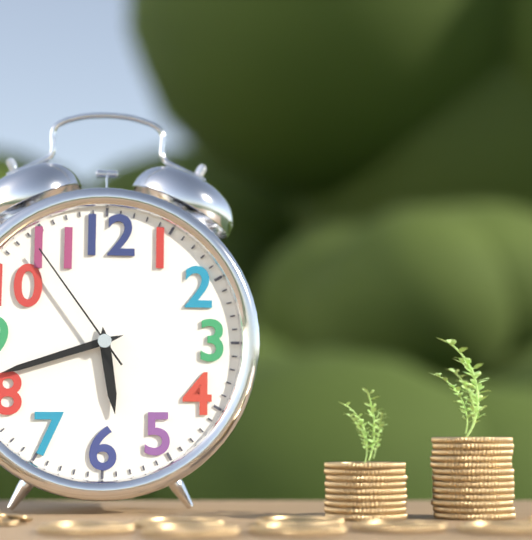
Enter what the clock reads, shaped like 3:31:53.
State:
5:42:54
